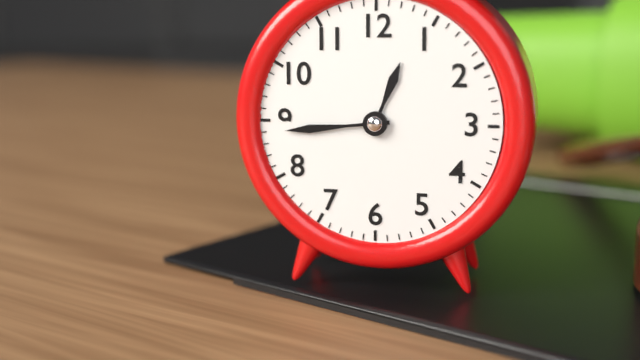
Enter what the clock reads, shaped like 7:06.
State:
12:44
